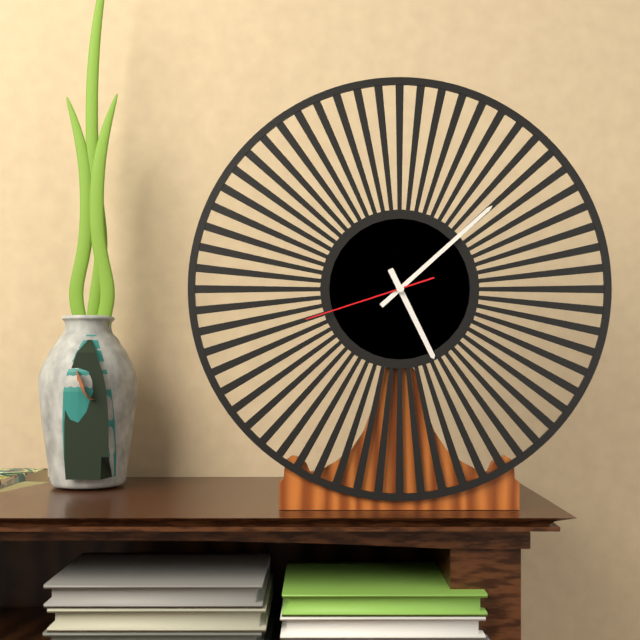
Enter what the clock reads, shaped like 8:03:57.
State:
5:08:42
